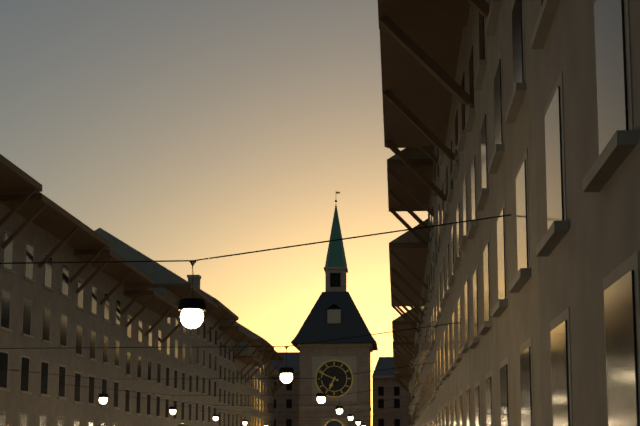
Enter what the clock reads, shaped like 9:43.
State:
6:49
